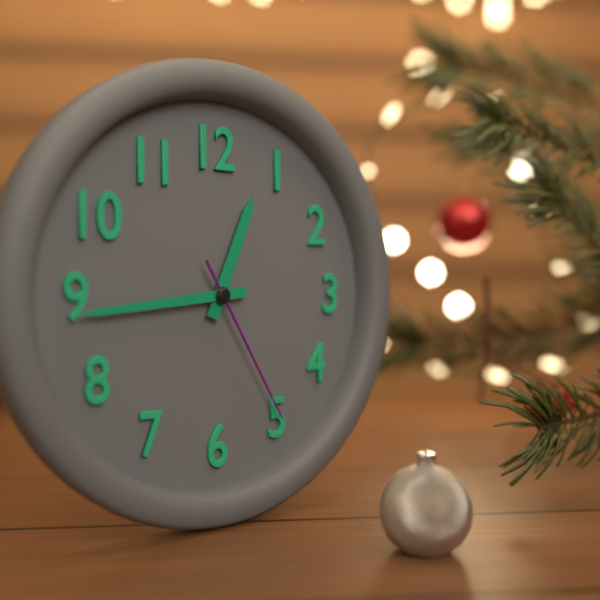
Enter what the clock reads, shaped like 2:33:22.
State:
12:44:25
